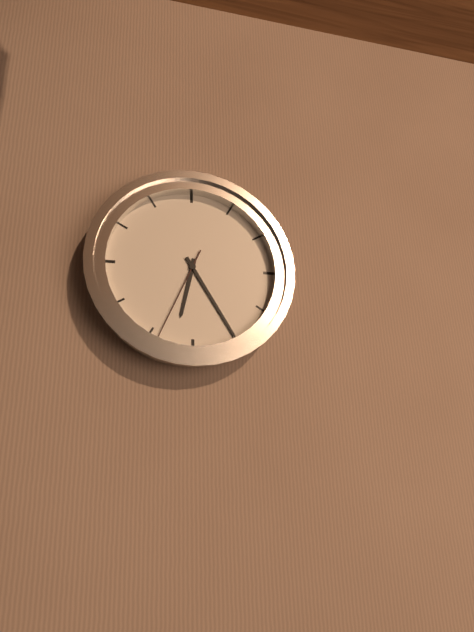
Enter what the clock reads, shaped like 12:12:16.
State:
6:25:34
